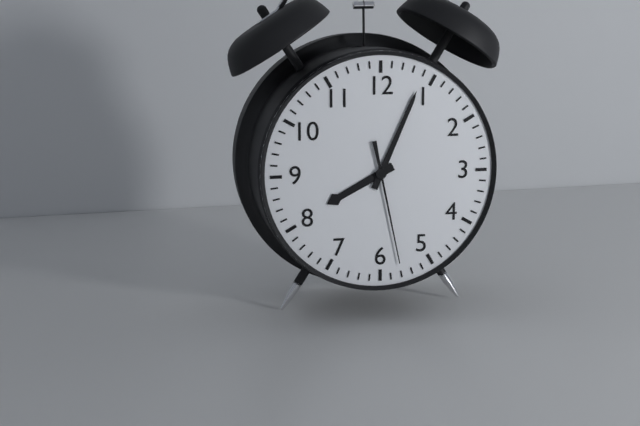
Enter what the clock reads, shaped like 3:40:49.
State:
8:04:28
